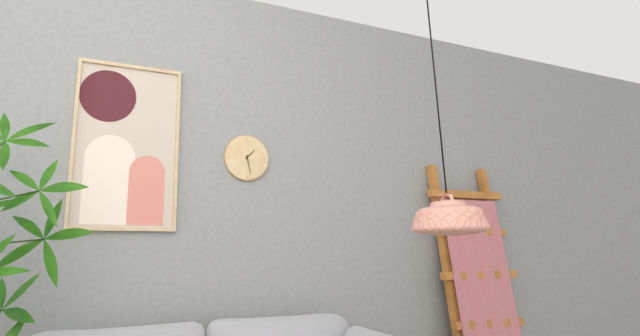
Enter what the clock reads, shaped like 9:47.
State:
1:28
